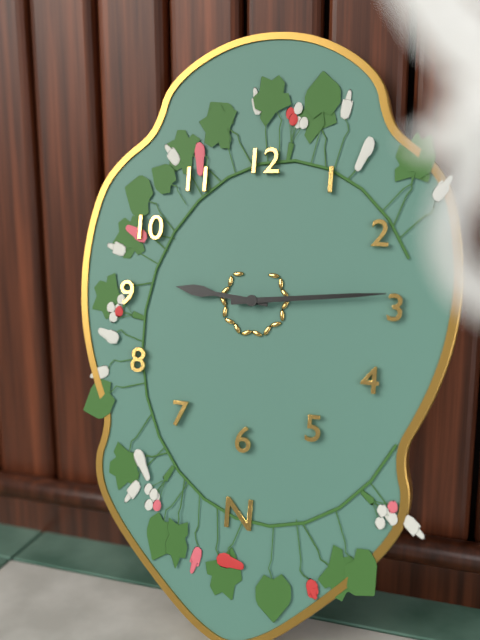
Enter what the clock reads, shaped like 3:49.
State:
9:14
